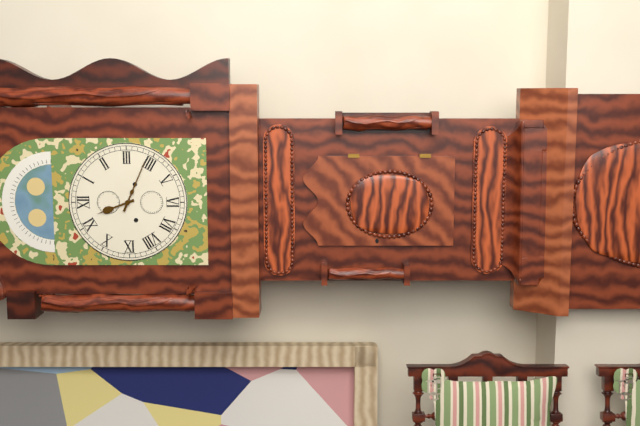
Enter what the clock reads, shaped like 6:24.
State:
11:19
